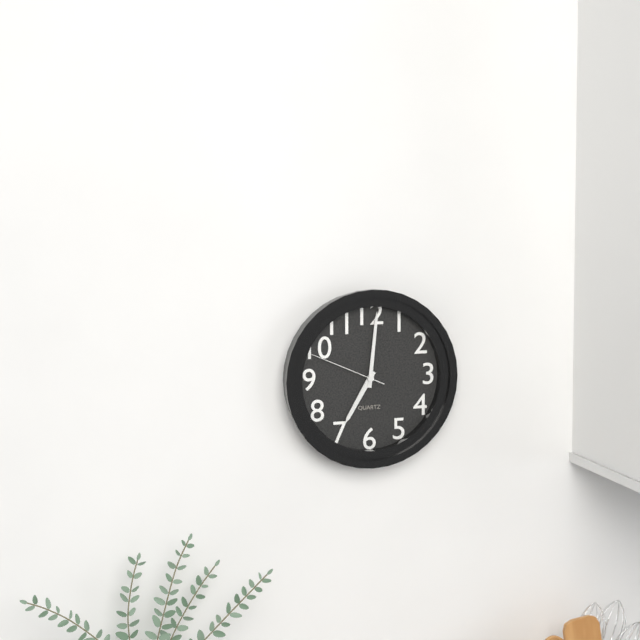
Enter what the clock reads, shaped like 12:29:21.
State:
7:01:49
